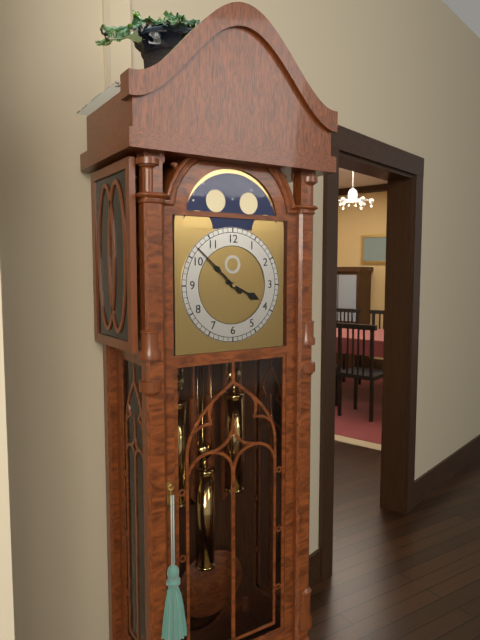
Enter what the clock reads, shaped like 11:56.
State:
3:52
